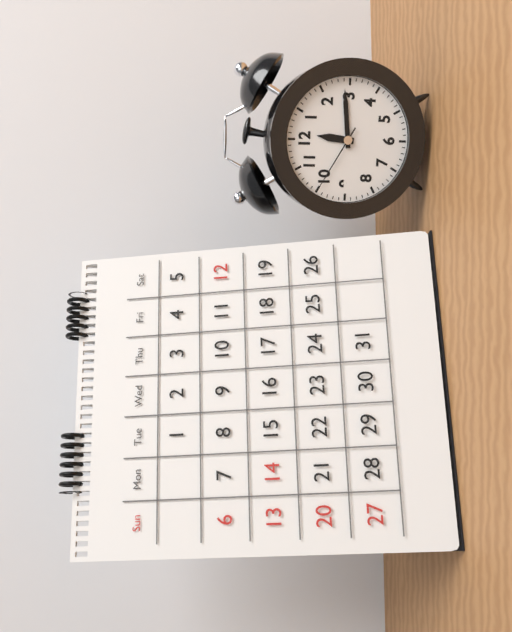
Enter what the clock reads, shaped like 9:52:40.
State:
12:14:50
